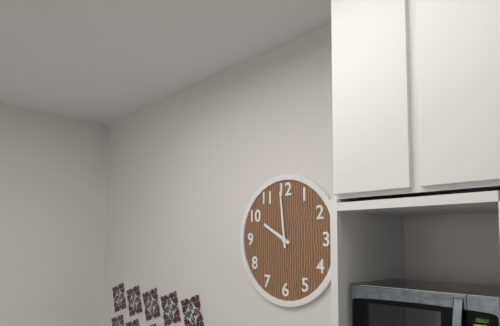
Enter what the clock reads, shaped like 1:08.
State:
9:59
